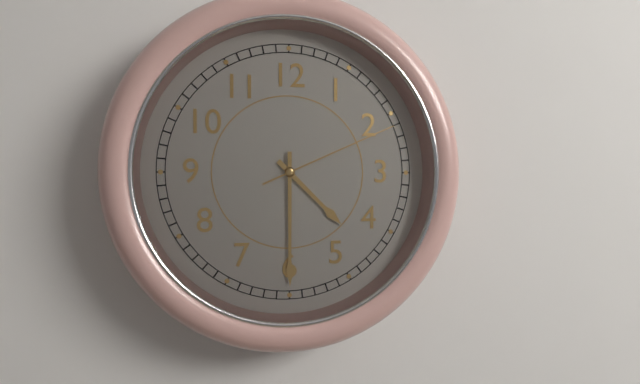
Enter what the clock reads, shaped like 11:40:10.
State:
4:30:11
